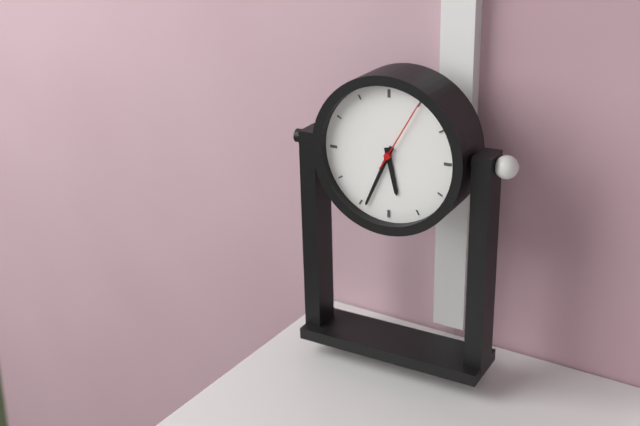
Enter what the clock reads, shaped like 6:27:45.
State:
5:34:05
